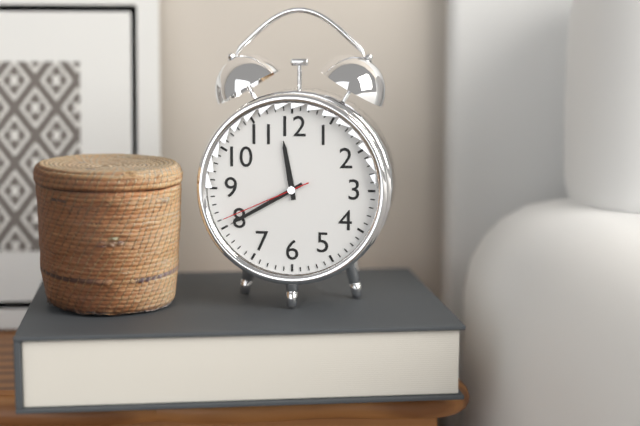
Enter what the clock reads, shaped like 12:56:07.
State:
11:40:41
